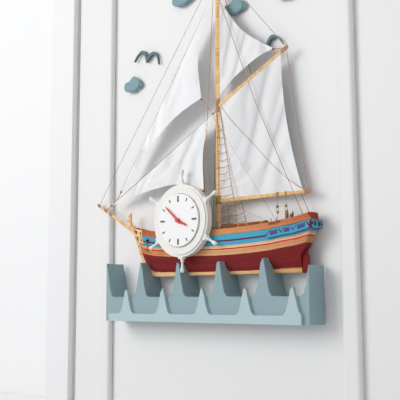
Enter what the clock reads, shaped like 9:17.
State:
3:52
